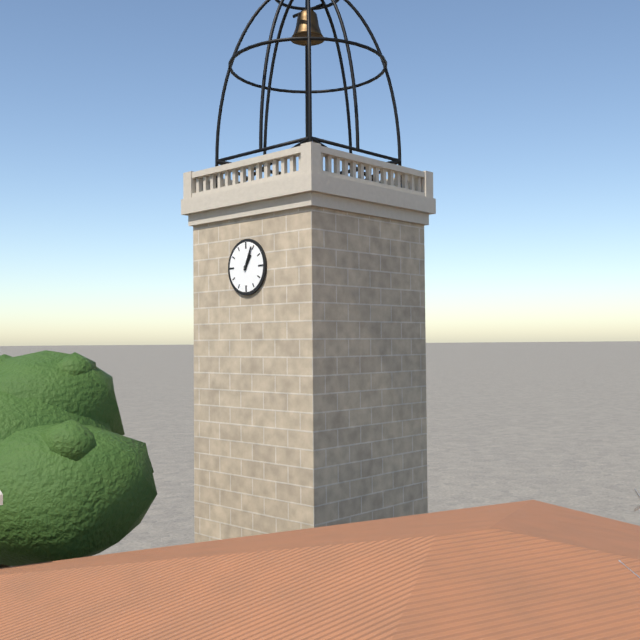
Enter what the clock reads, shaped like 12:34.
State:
1:04
